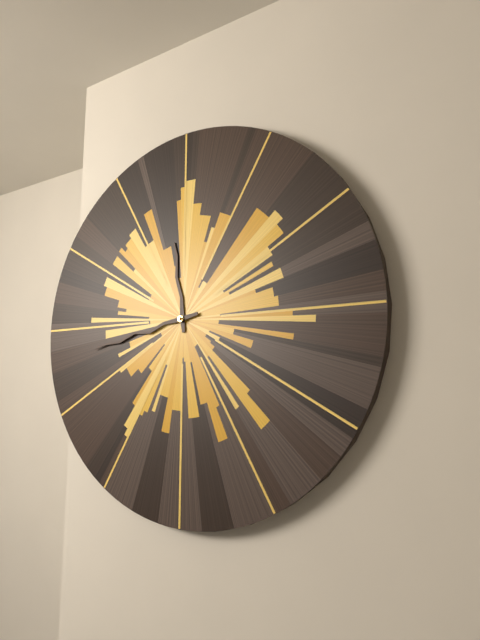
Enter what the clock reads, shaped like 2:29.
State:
11:43
